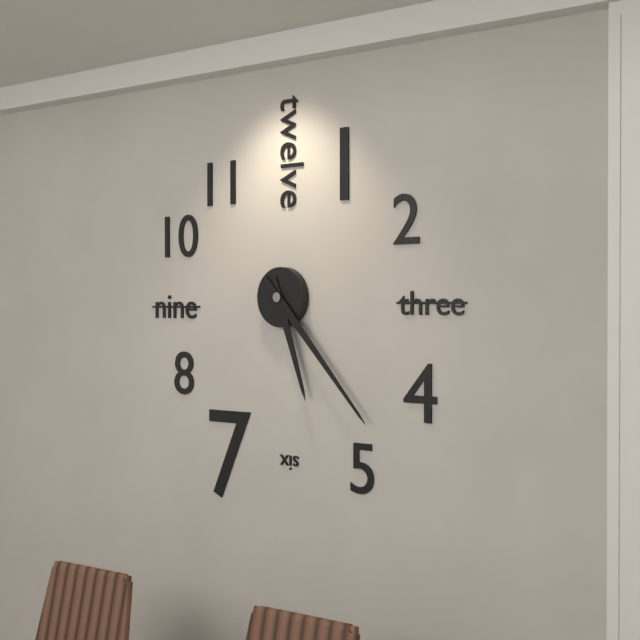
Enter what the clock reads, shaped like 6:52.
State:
5:23
